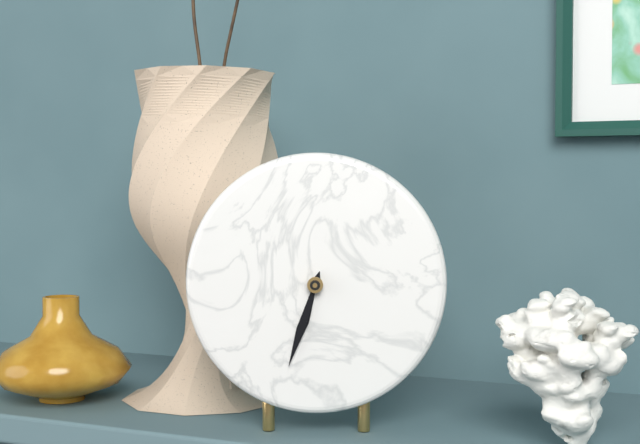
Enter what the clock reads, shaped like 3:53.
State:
6:33
